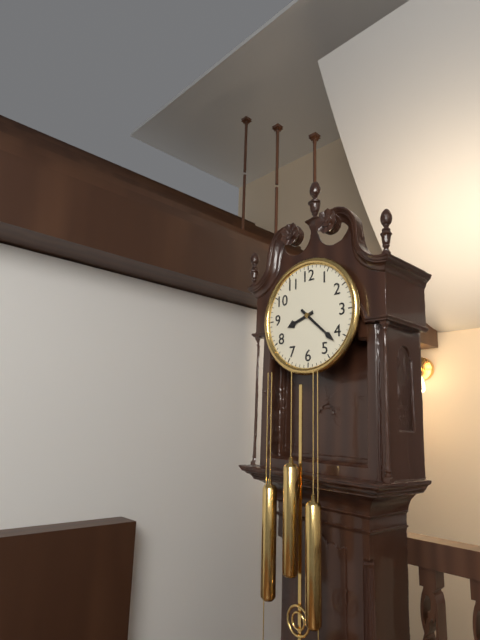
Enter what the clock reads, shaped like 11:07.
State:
8:22
